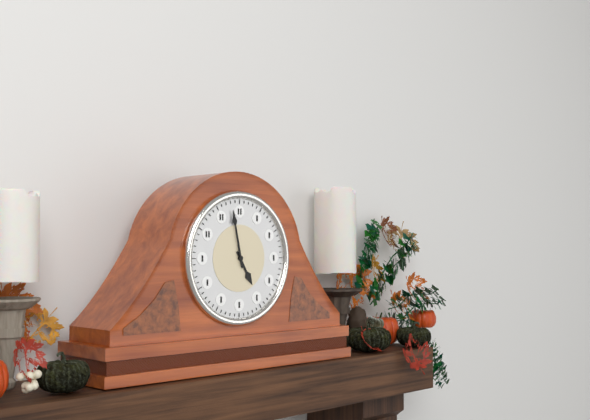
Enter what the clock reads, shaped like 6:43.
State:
4:58
